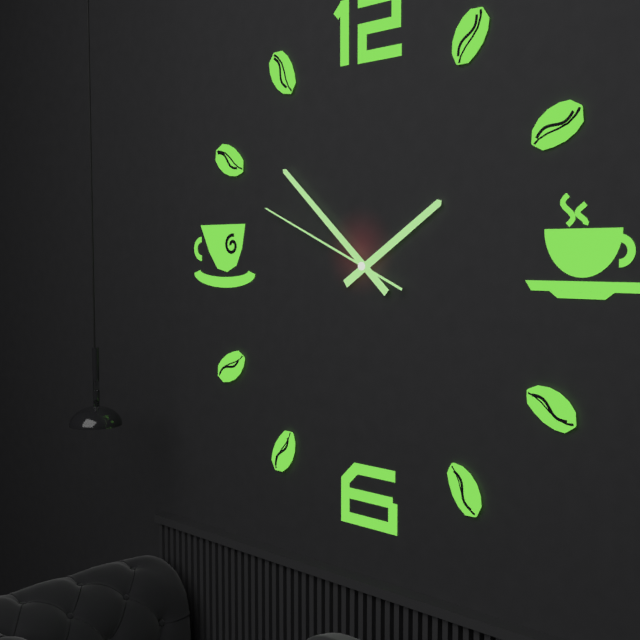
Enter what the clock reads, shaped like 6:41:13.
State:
1:52:49
